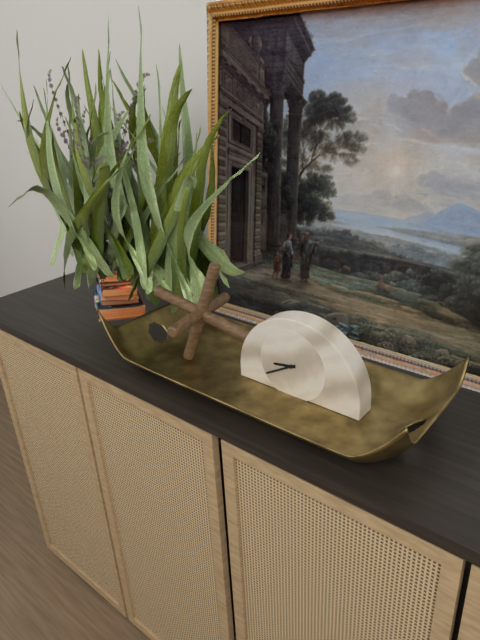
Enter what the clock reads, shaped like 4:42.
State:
8:40
